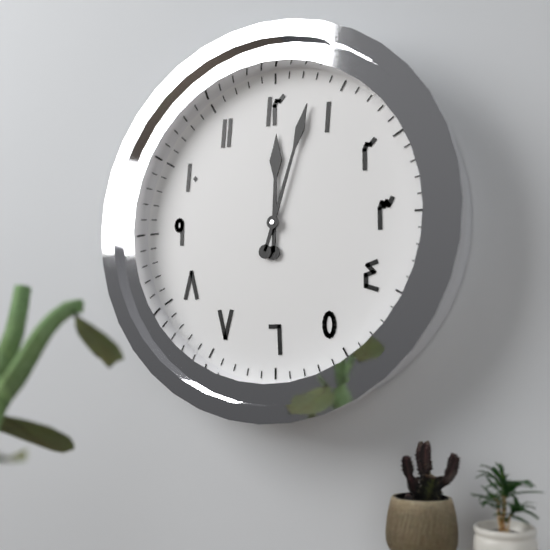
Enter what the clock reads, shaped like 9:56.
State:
12:03
